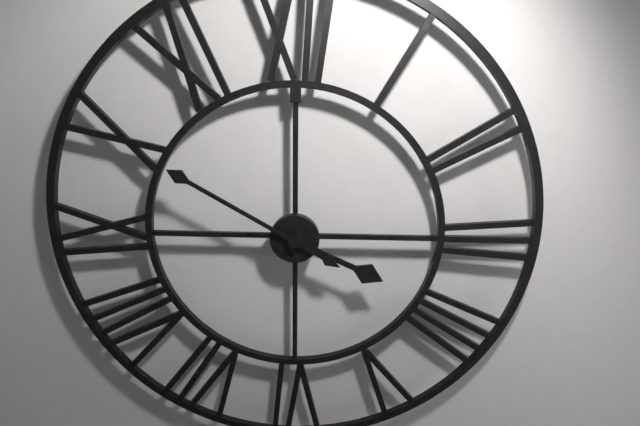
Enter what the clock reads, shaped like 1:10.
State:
3:50
